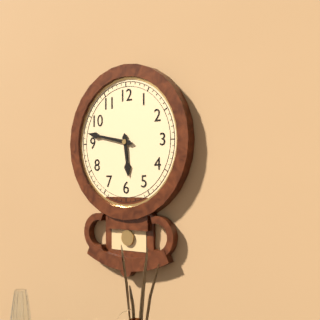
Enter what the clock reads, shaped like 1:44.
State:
5:47
